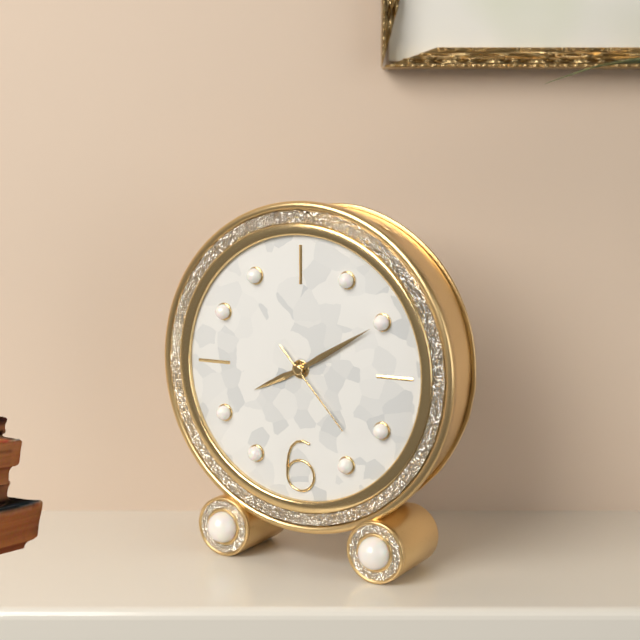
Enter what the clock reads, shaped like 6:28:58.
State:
8:10:23
